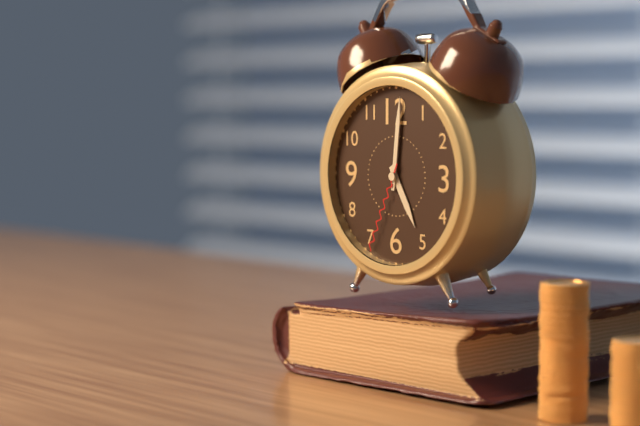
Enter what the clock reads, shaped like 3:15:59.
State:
5:01:34
